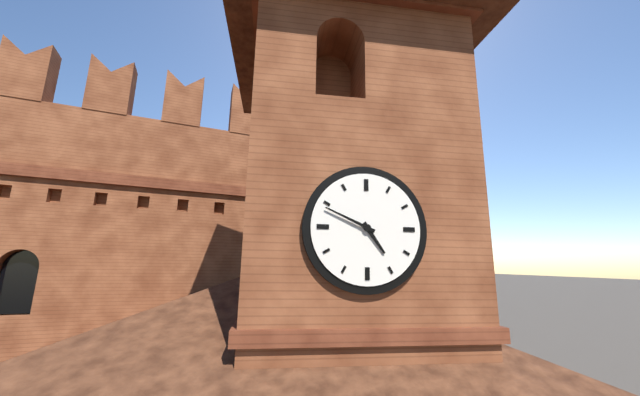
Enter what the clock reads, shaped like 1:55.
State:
4:49
